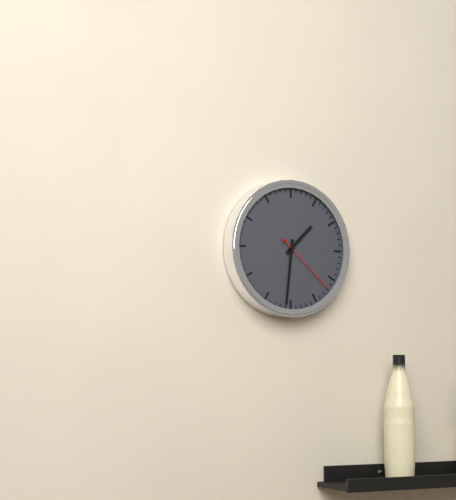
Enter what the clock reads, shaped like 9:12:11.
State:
1:31:22
